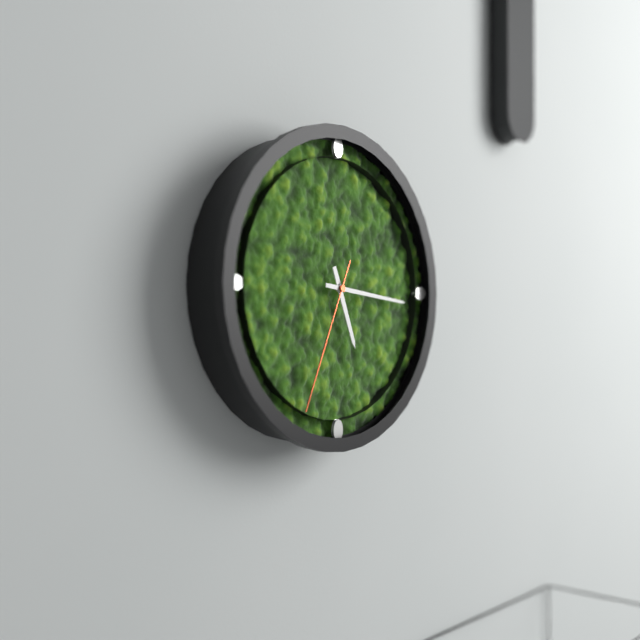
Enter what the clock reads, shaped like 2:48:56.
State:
5:16:34
